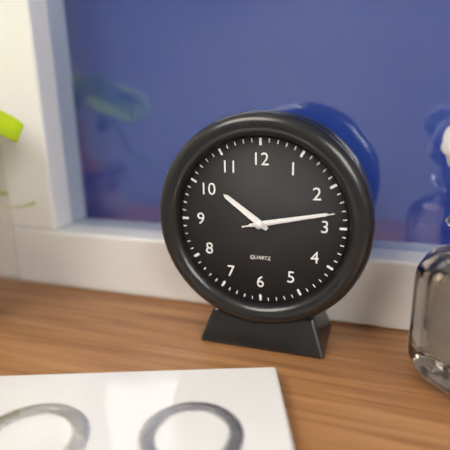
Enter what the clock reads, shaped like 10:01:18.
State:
10:13:13
